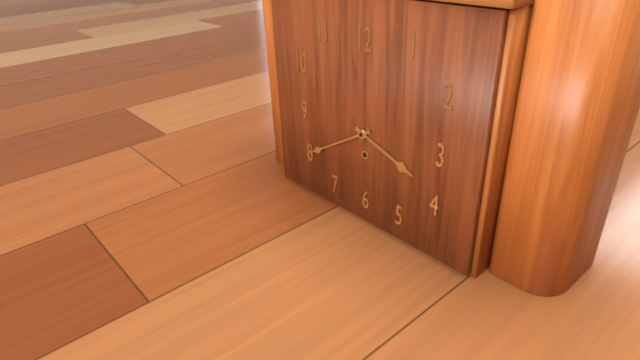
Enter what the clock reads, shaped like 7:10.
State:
3:40
